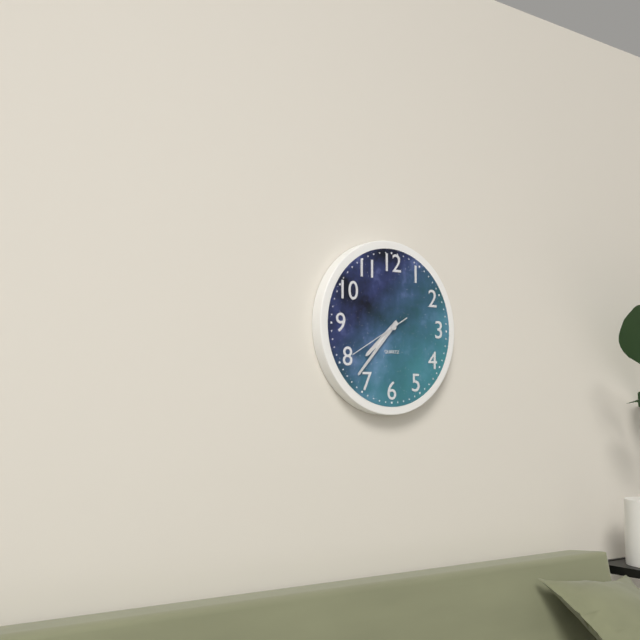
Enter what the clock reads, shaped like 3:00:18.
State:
7:37:40
